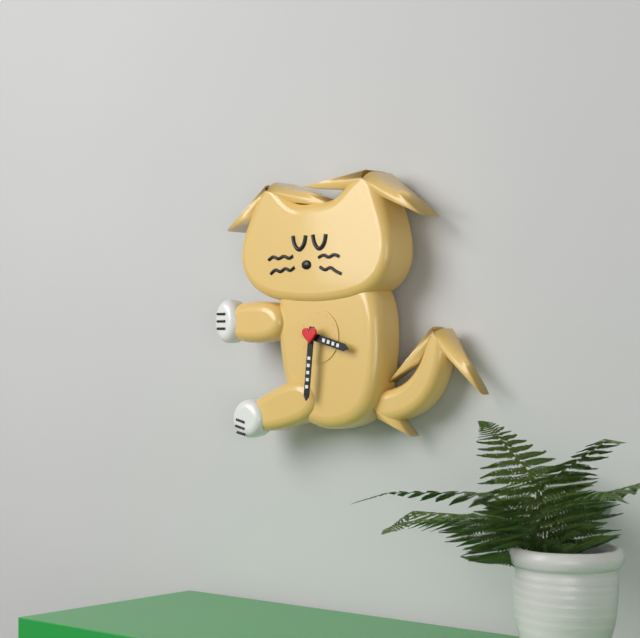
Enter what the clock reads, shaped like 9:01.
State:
3:31
